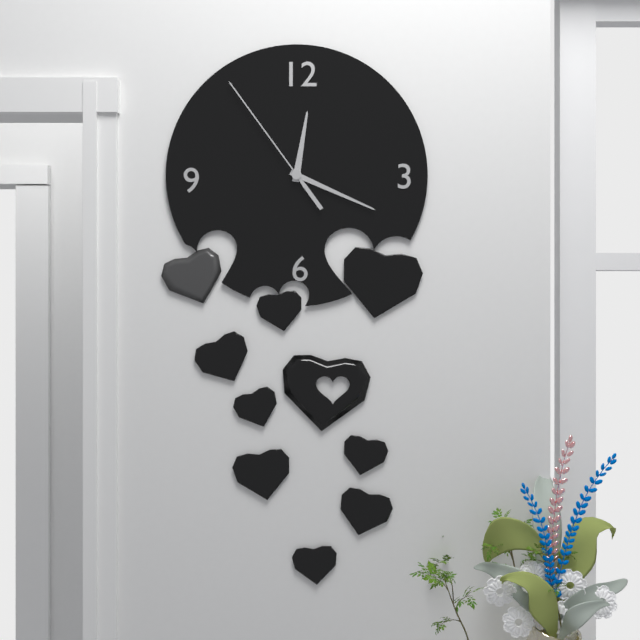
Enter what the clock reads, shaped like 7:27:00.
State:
12:19:54
